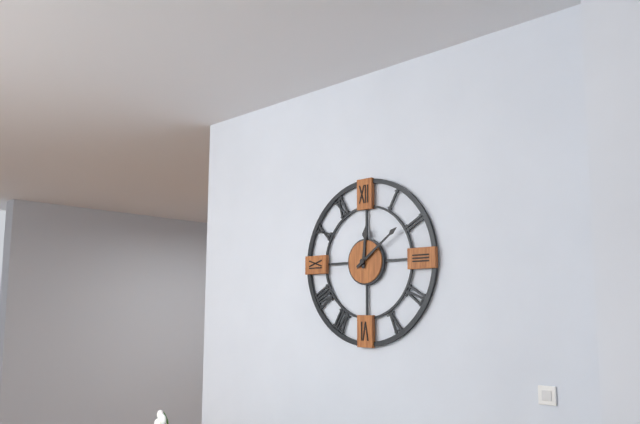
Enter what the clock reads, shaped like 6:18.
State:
12:09
